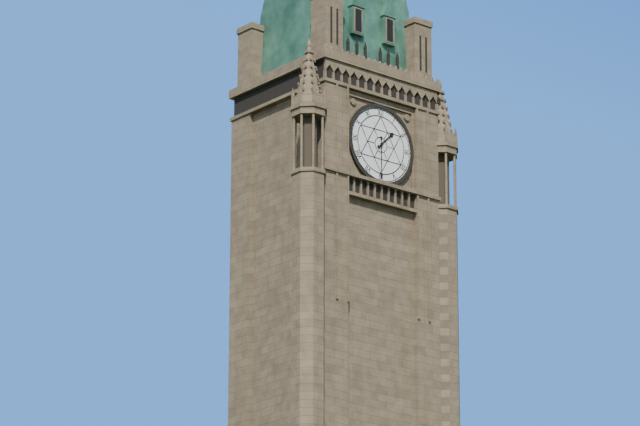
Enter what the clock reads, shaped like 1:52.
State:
1:30
